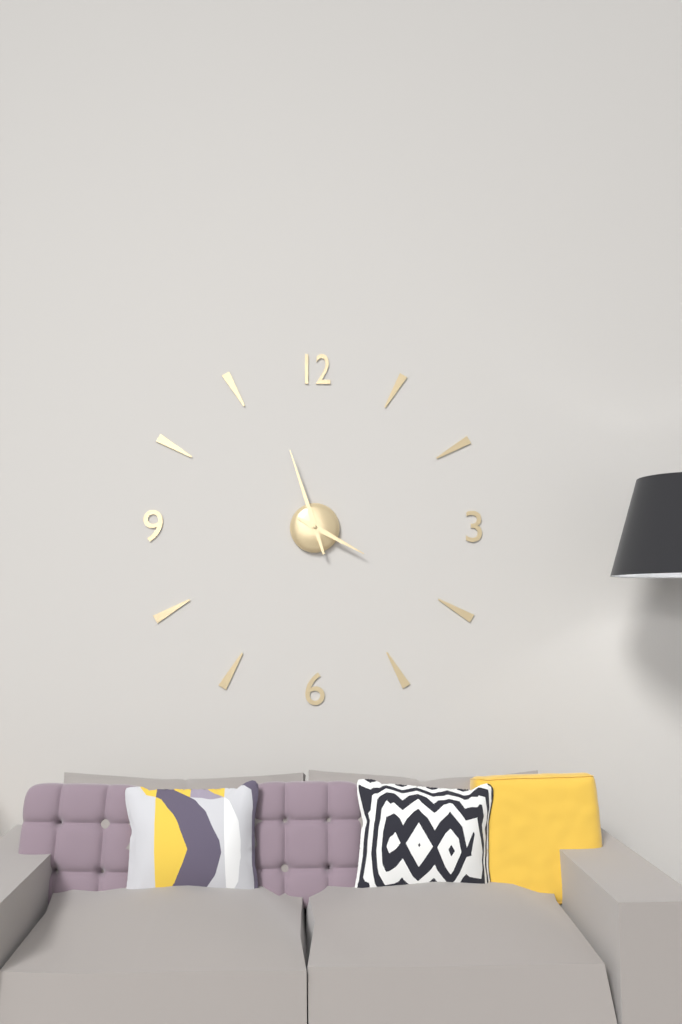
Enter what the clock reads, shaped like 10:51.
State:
3:57
